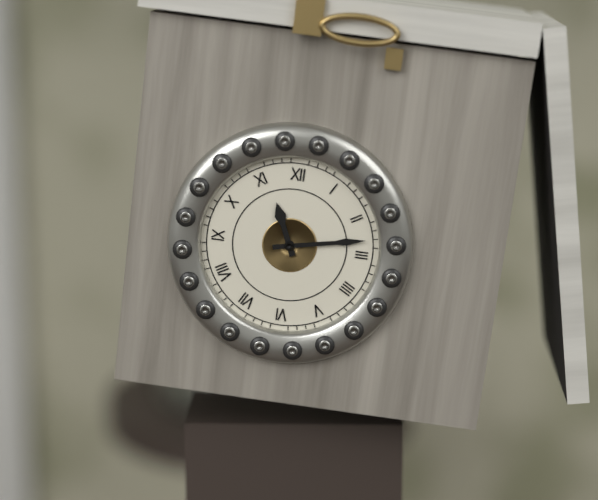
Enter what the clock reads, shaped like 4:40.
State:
11:13
